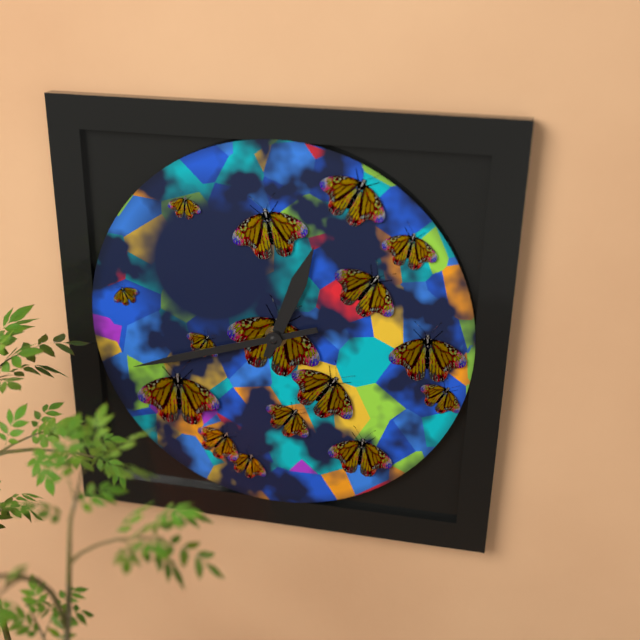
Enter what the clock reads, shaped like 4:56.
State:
12:42
